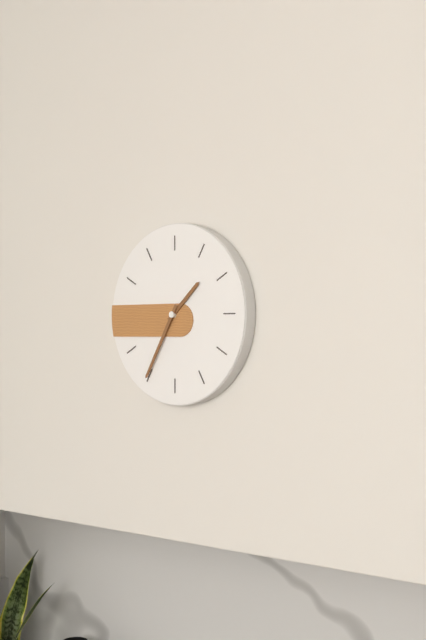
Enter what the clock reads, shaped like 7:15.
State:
1:35
